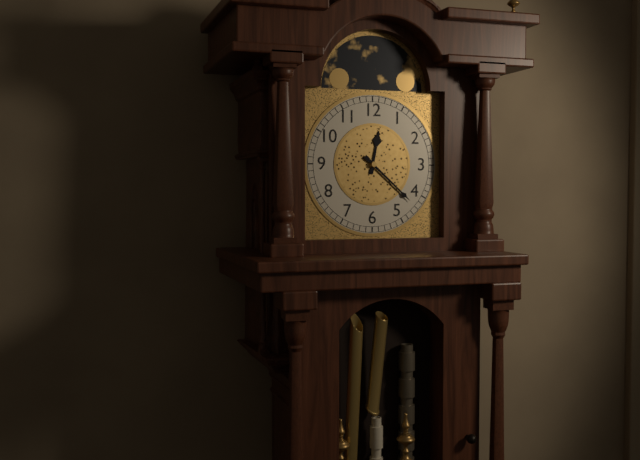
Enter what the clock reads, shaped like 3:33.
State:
12:22
